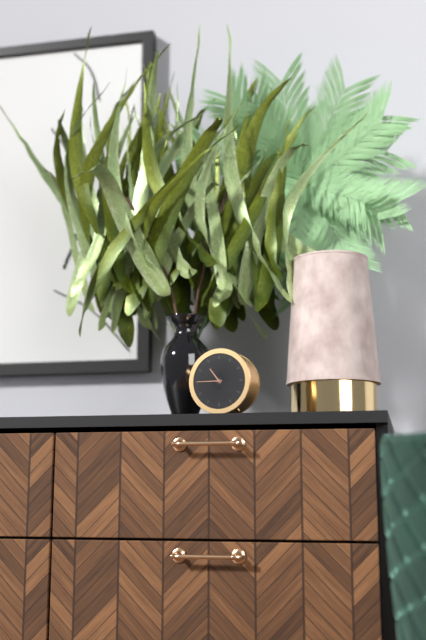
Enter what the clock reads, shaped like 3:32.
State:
10:45
